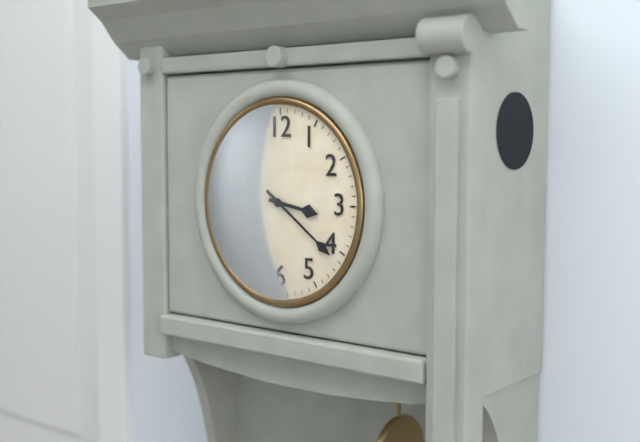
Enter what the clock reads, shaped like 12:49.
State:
3:21
